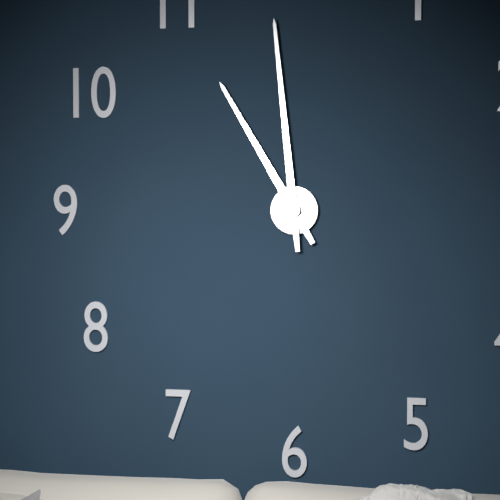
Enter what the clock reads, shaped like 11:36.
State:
10:59
